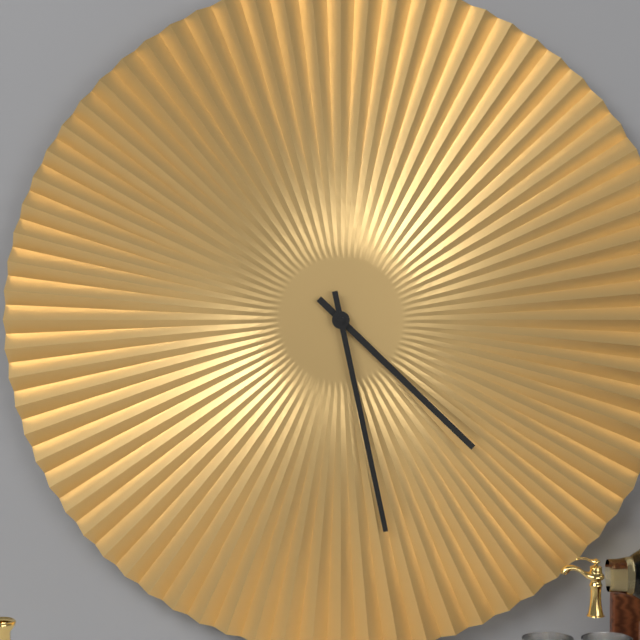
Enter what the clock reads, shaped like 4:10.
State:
4:28
